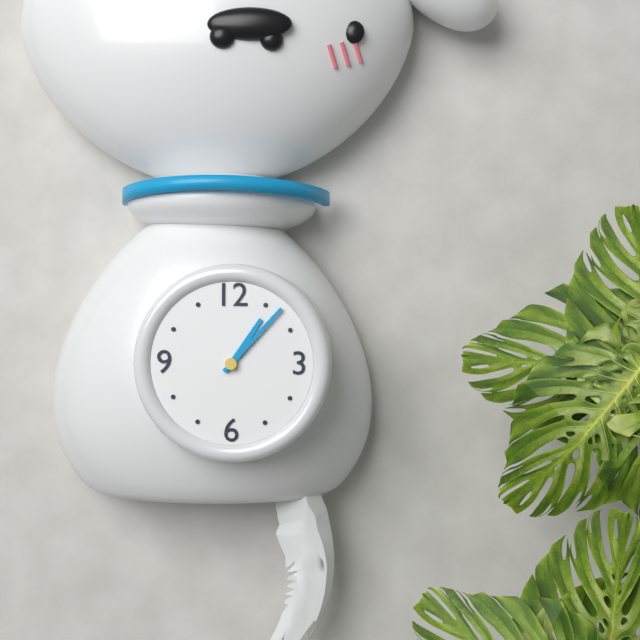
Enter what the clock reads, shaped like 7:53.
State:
1:07
